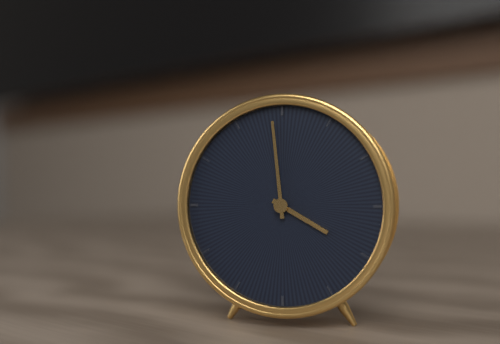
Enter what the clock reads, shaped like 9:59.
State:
3:59
